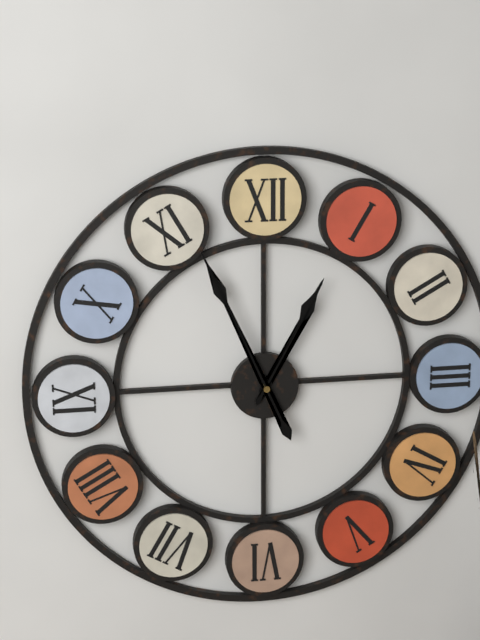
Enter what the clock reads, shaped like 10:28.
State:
12:56
